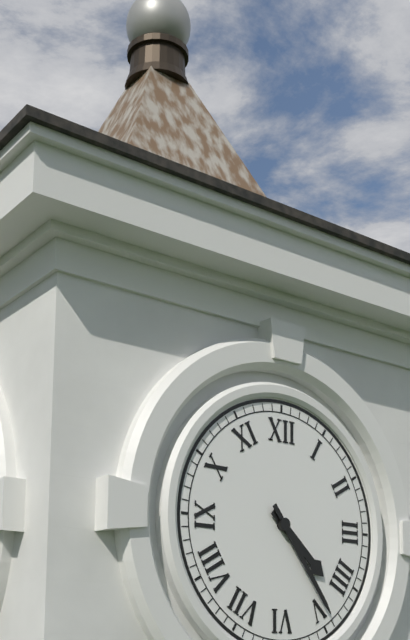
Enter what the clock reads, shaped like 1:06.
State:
4:24
